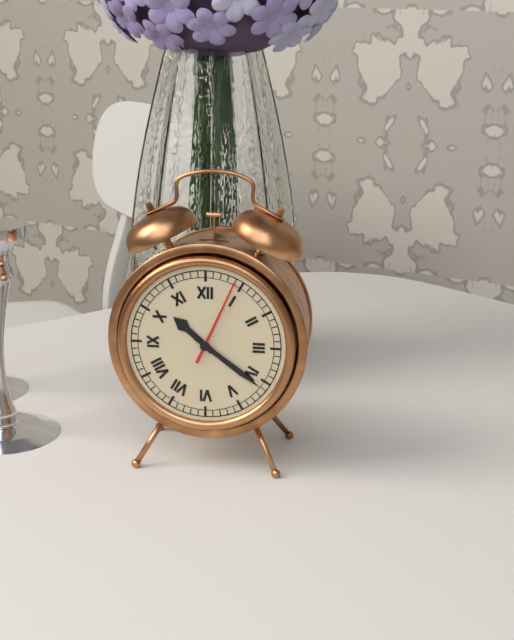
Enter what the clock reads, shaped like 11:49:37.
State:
10:21:04
